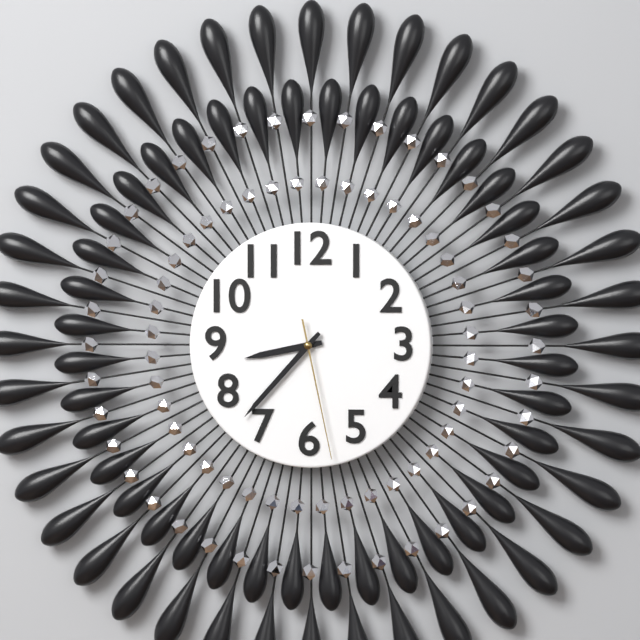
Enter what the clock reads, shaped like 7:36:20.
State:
8:37:28
